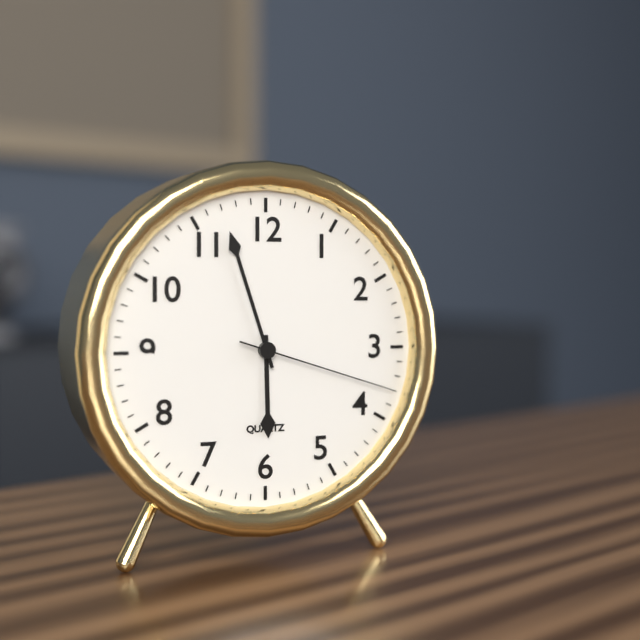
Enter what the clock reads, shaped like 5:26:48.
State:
5:57:18
